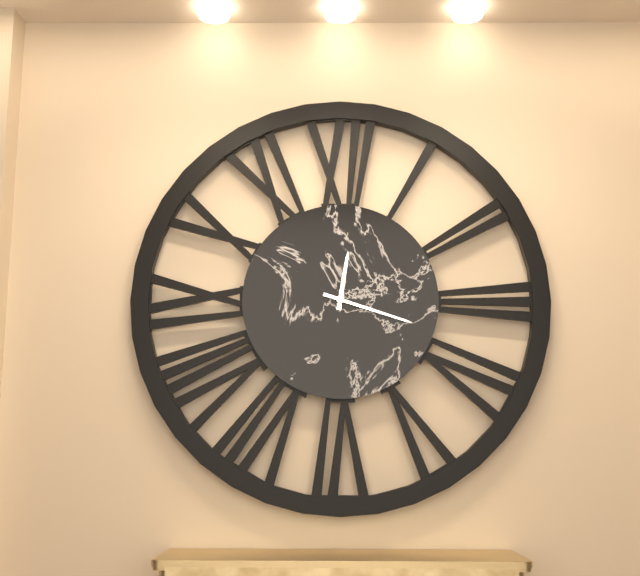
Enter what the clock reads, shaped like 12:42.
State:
12:18
